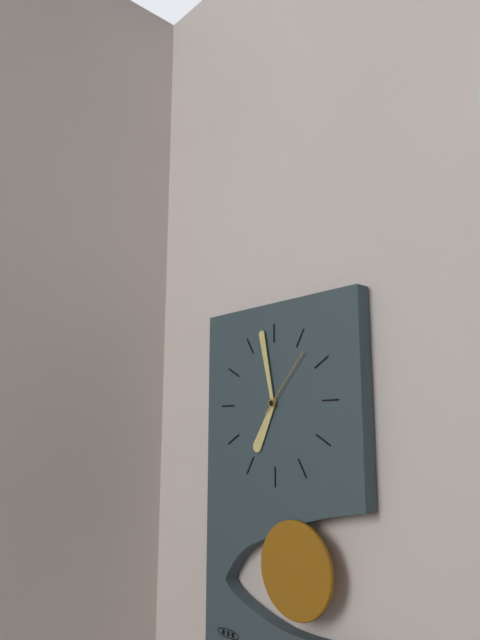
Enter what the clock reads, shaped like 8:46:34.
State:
6:58:07
